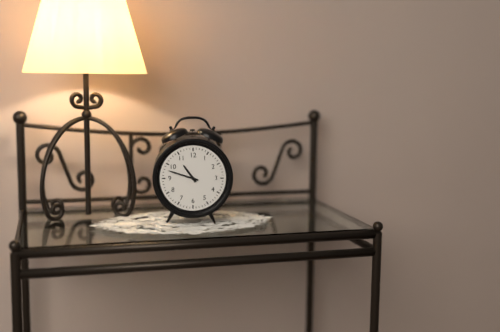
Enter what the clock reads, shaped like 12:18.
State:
10:48
